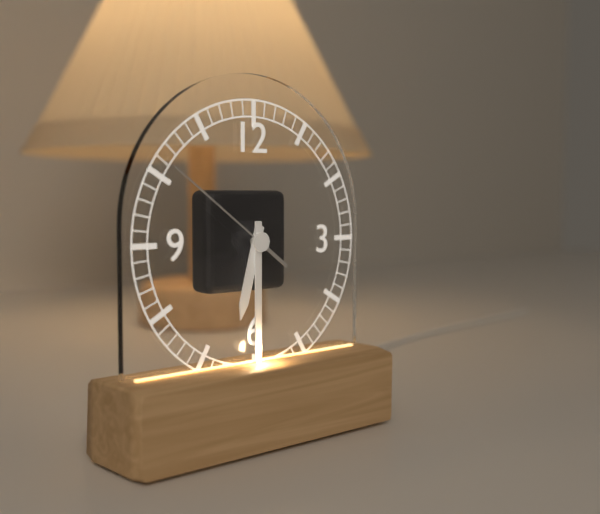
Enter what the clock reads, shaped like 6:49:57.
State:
6:30:51
